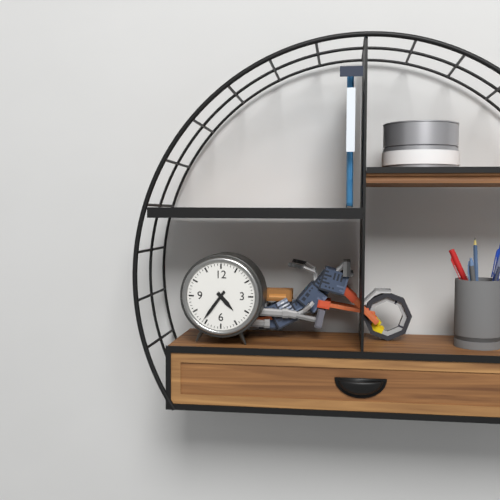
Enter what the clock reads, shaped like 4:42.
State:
4:36
